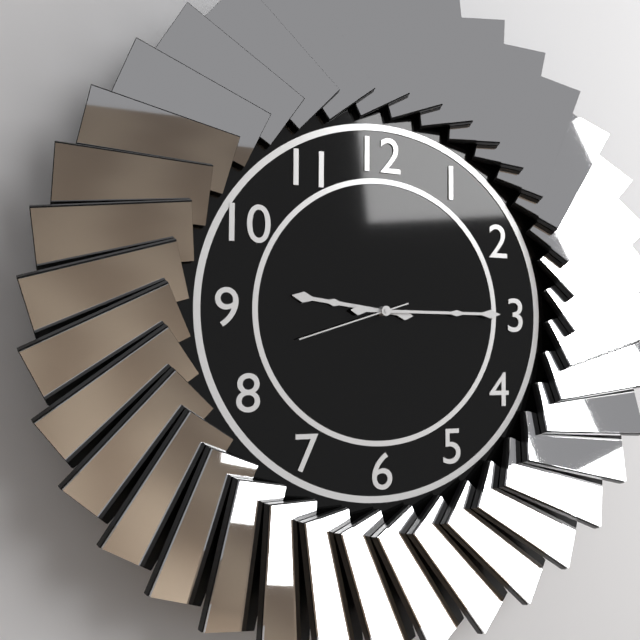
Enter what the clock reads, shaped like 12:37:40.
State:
9:15:42
